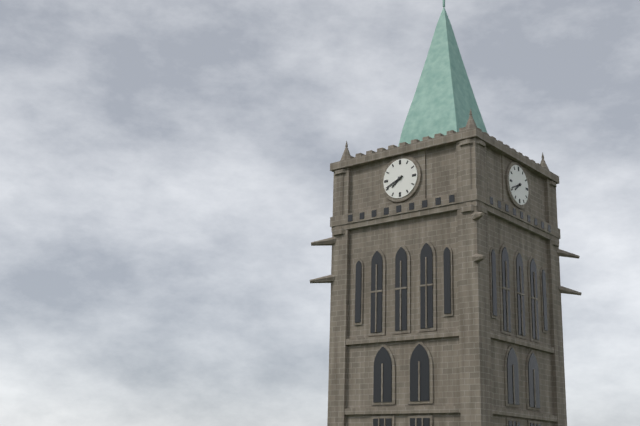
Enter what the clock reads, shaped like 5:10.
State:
7:41
